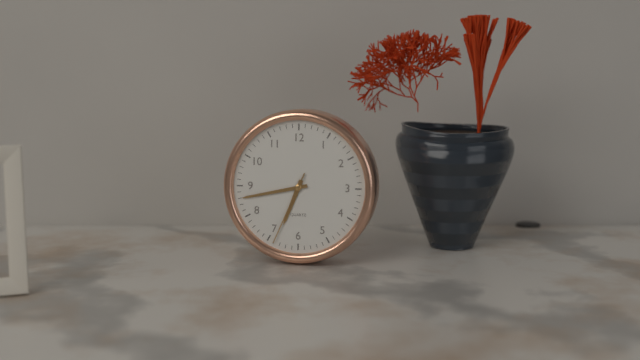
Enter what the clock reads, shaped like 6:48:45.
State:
6:43:34
